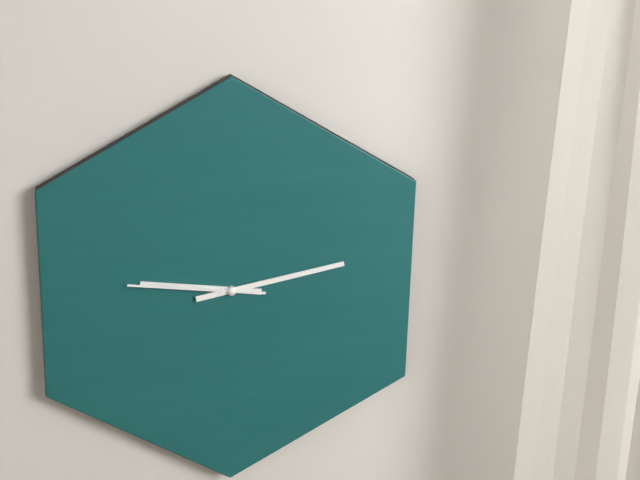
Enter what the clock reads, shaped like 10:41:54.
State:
9:13:46
